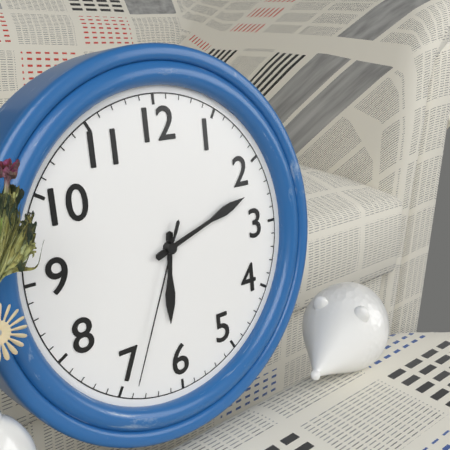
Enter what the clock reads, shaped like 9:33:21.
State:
6:12:34
